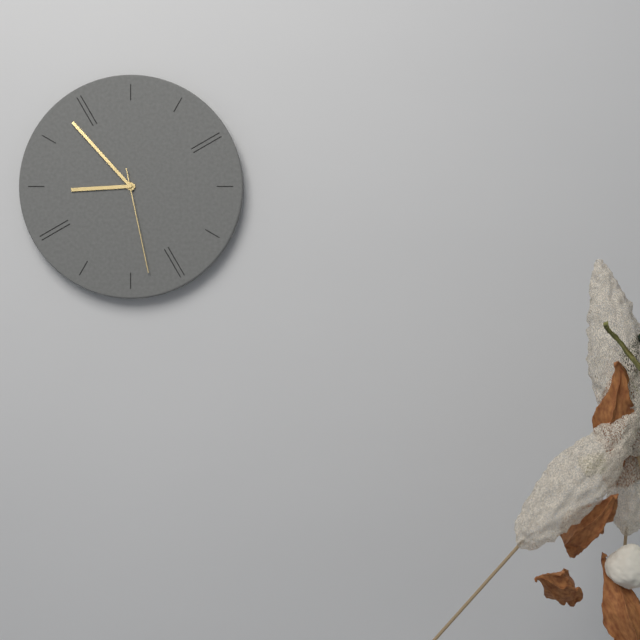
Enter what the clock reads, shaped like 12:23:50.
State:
8:53:28
